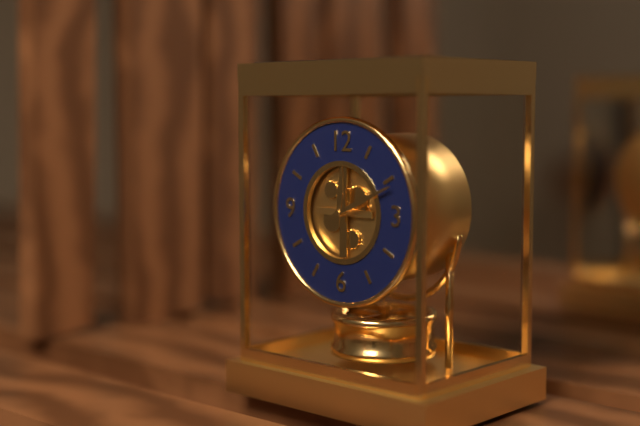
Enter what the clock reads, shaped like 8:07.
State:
12:11
